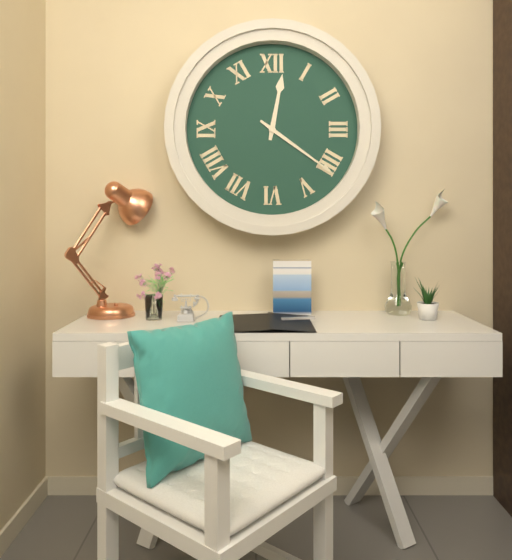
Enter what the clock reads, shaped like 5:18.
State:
12:21
